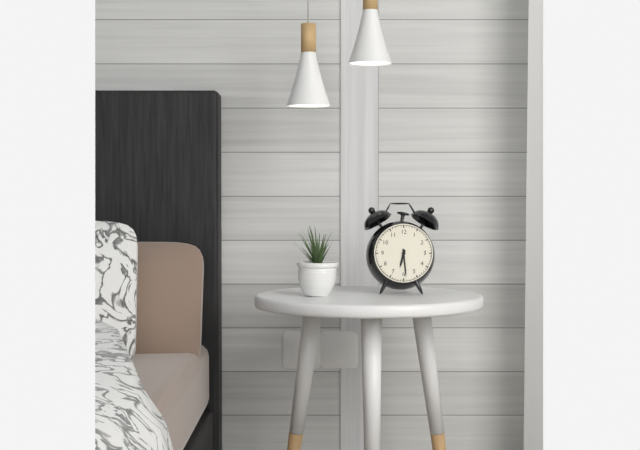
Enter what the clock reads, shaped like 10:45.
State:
6:29
